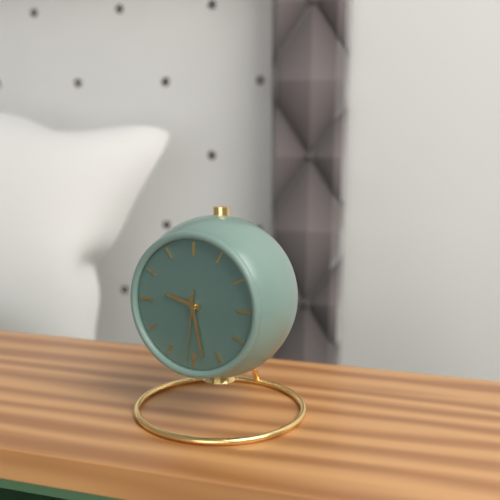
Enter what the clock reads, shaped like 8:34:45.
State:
9:28:31
